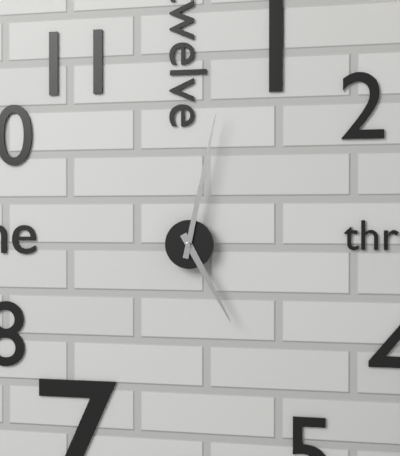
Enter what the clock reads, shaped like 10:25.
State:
5:02
